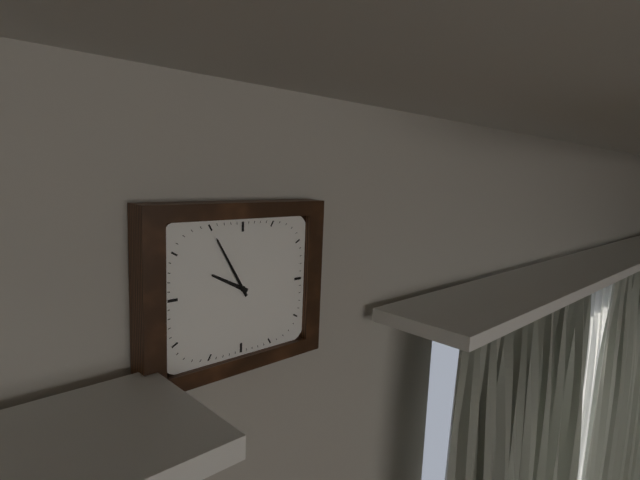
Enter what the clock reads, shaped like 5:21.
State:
9:55
